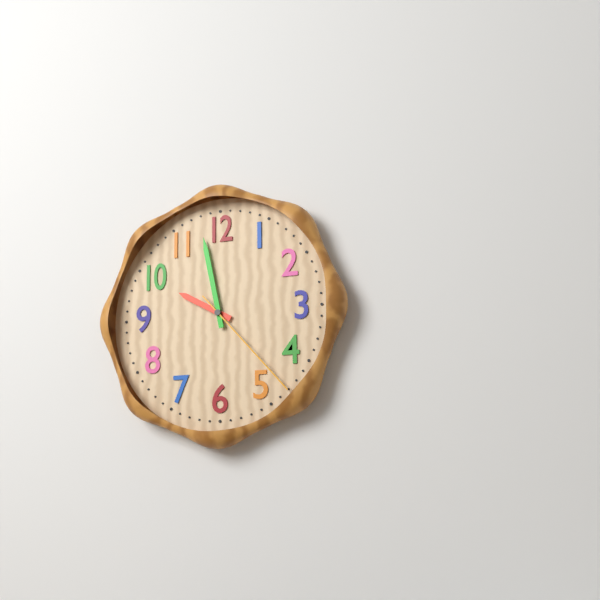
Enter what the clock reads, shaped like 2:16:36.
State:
9:58:23
